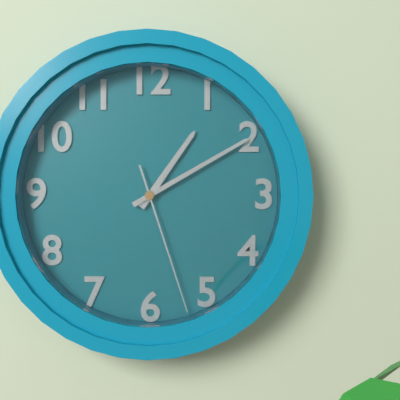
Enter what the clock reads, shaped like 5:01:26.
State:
1:10:27
